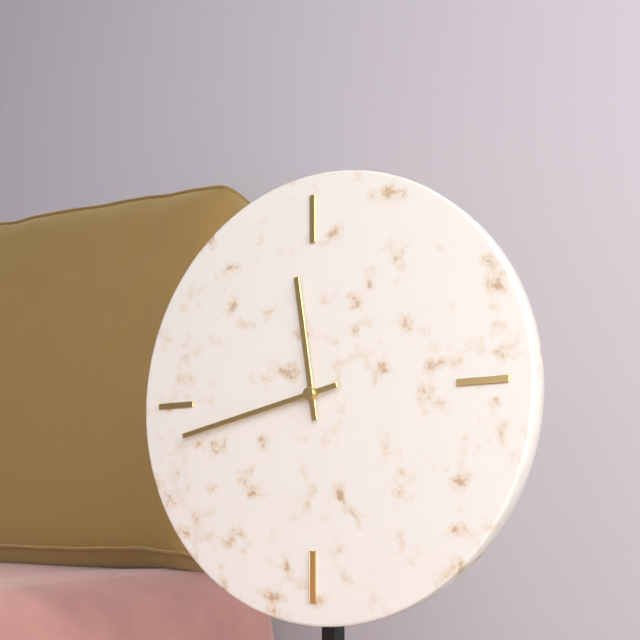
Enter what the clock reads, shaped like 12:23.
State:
11:43
